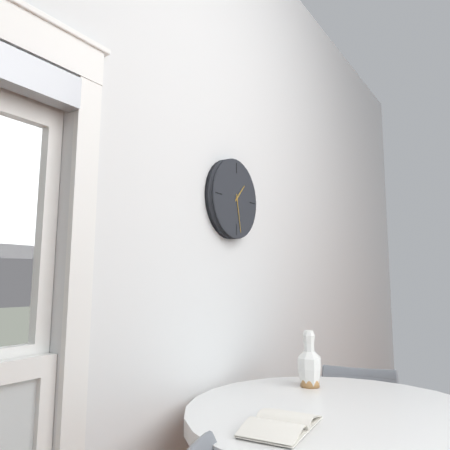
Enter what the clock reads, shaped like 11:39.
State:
1:28
